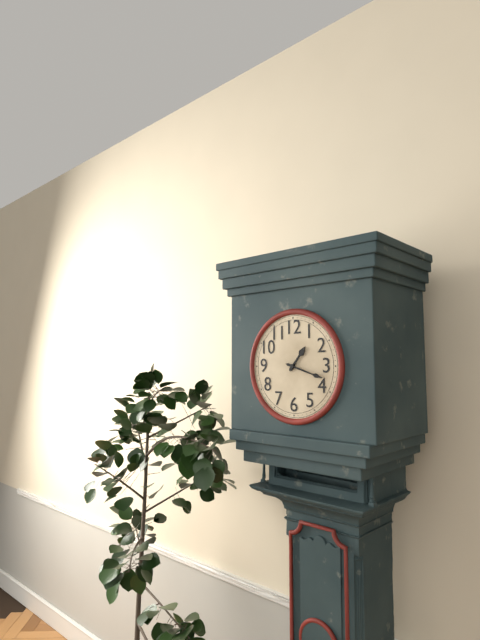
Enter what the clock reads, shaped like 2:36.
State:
1:18
